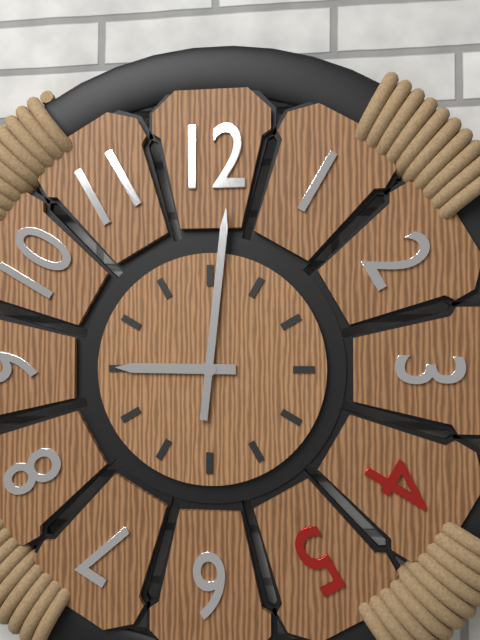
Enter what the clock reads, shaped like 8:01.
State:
9:01
